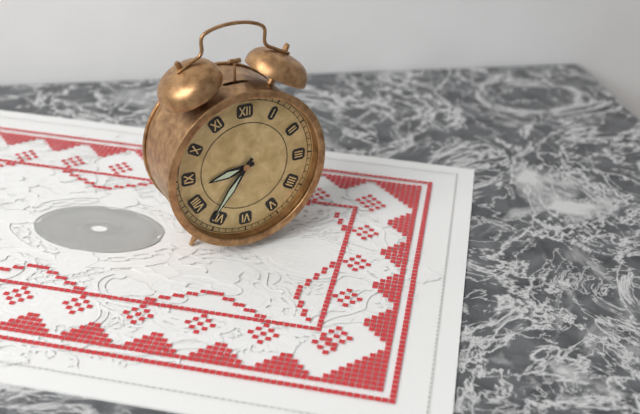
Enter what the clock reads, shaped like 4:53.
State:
8:36
